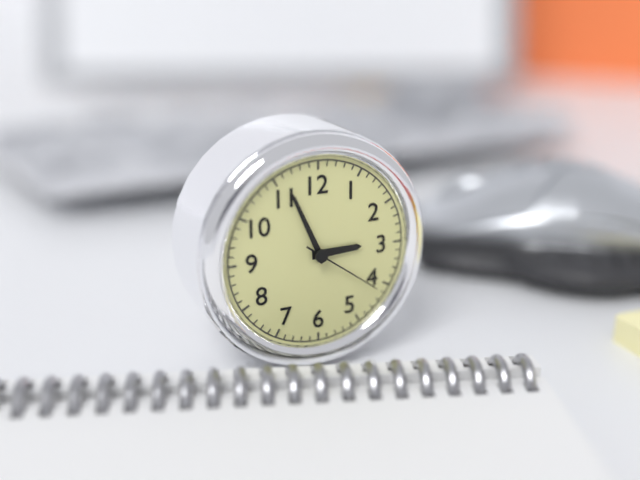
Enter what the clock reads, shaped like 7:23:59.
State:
2:56:21
